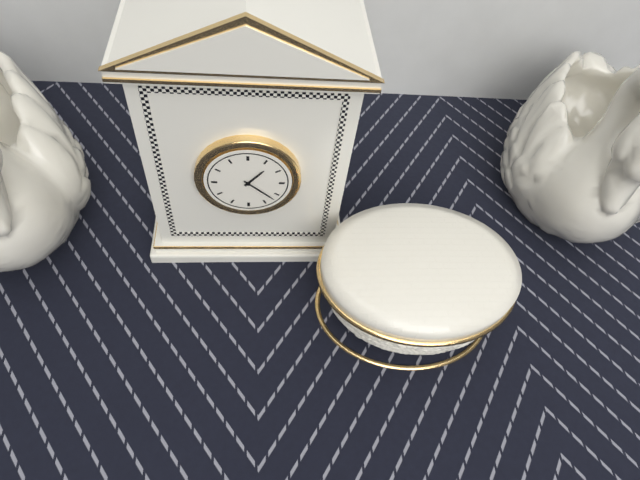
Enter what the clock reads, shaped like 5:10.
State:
1:22
